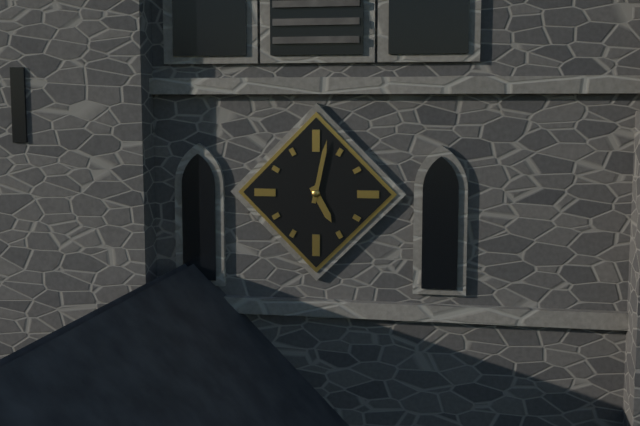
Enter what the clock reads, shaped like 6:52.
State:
5:02
